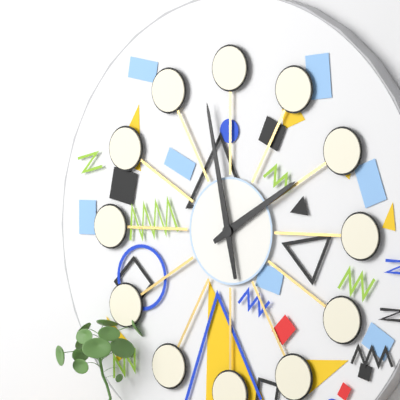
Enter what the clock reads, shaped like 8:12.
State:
1:58
